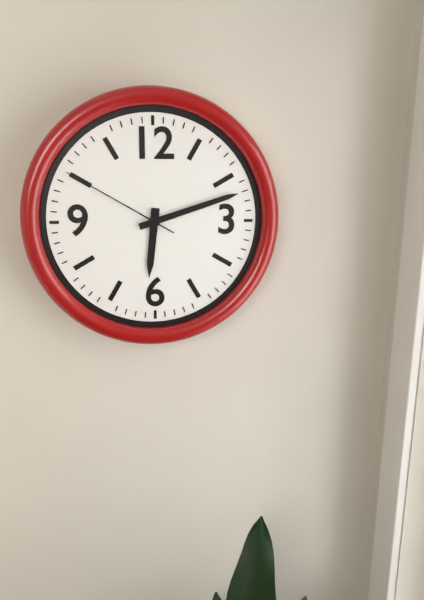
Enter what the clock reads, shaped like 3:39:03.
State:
6:12:50
